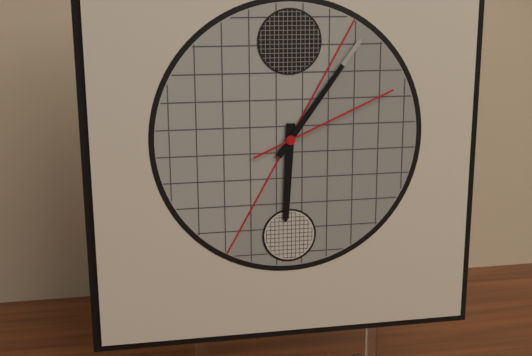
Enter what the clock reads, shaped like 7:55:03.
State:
6:06:11
